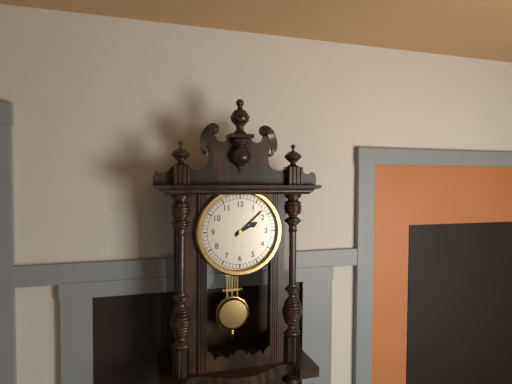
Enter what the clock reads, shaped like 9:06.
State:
2:08
